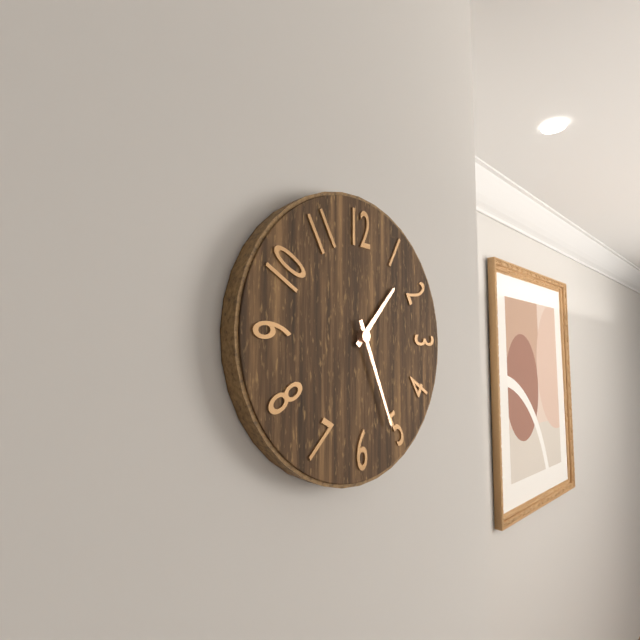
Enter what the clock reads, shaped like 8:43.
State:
1:26
